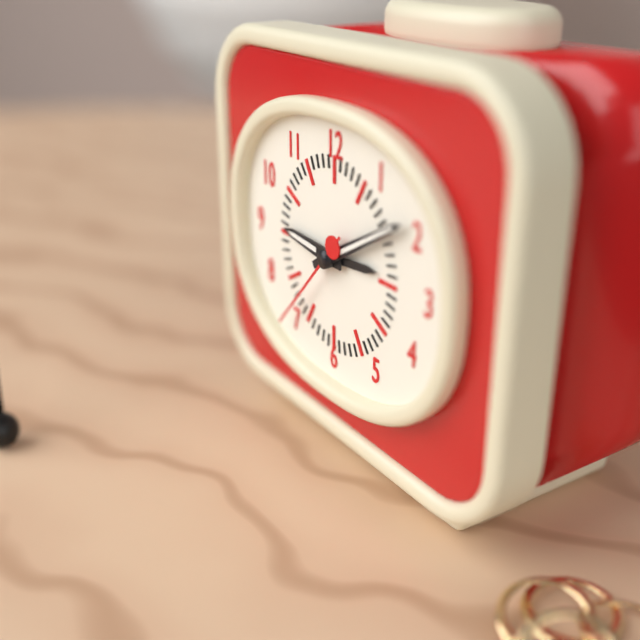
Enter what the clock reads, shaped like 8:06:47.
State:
9:10:37
